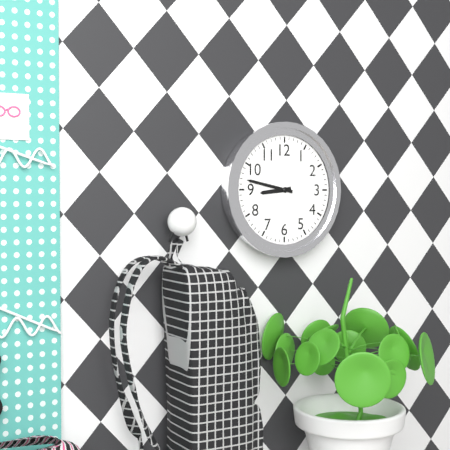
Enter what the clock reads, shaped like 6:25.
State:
8:47
